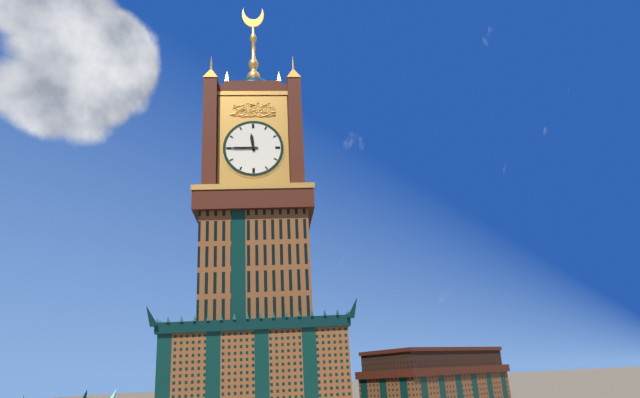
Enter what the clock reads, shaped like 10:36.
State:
11:45
